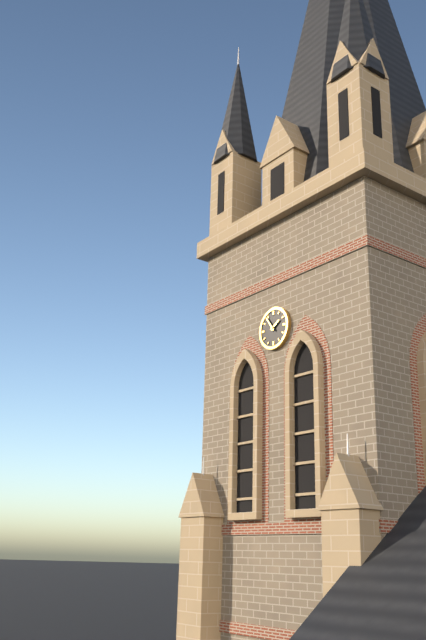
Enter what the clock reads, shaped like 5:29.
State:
1:54
